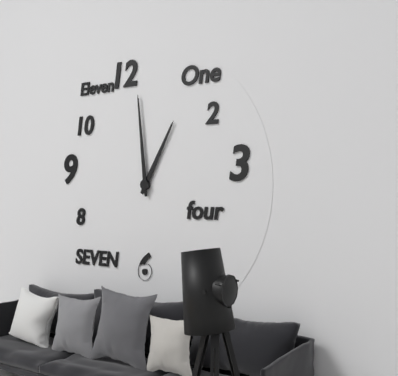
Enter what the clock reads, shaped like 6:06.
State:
12:59
